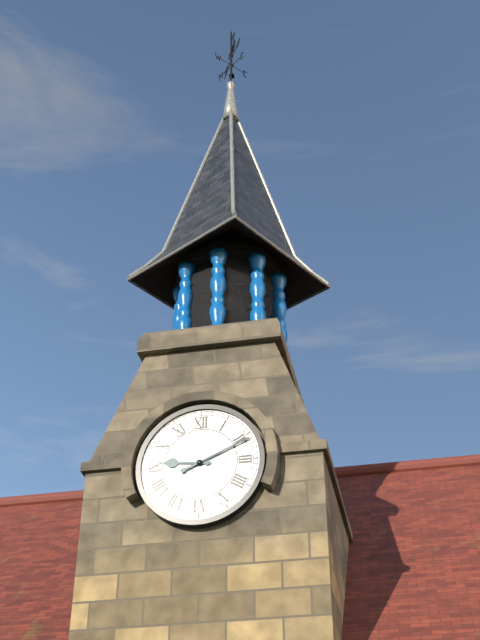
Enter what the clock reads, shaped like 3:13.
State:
9:11
